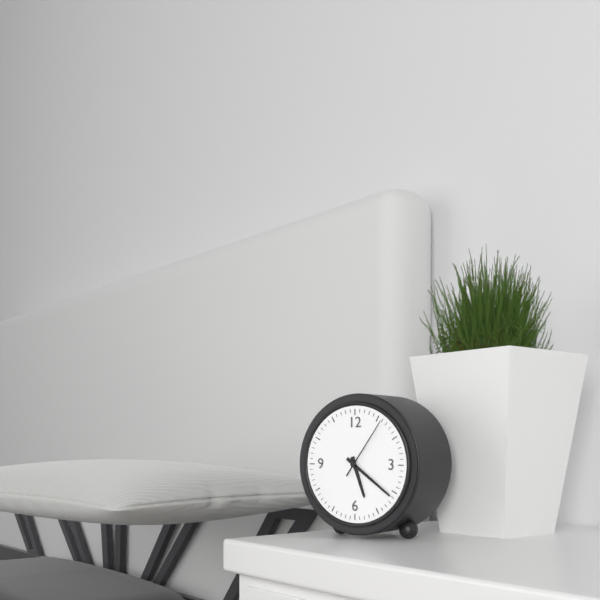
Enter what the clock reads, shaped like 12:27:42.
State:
5:21:06
